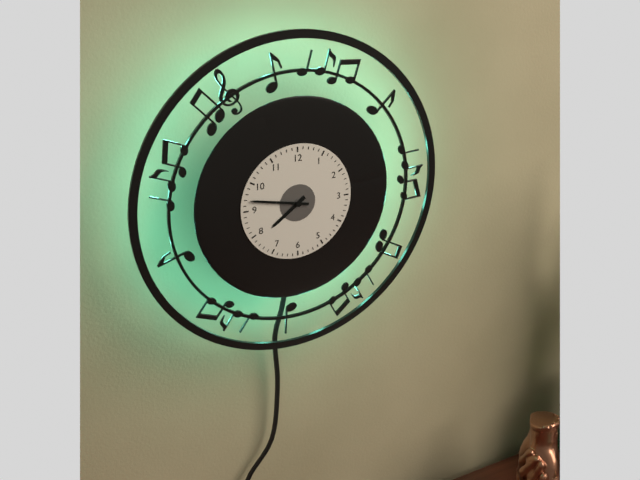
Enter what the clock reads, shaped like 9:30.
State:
7:47
